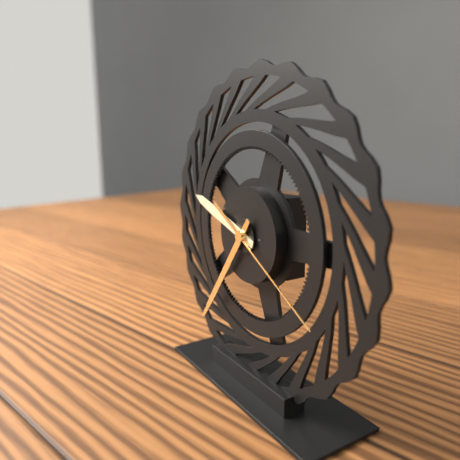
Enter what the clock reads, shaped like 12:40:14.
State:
9:36:20
